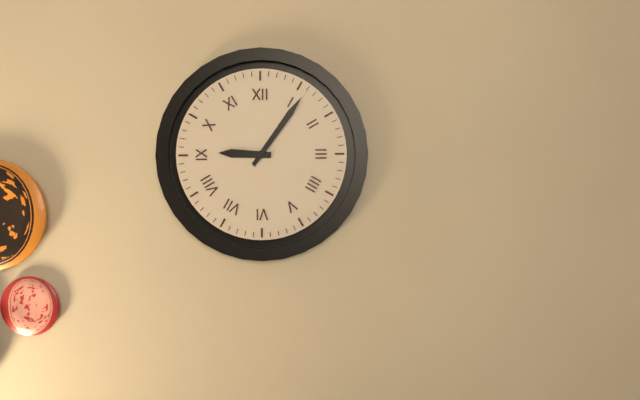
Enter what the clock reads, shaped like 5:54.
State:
9:06
